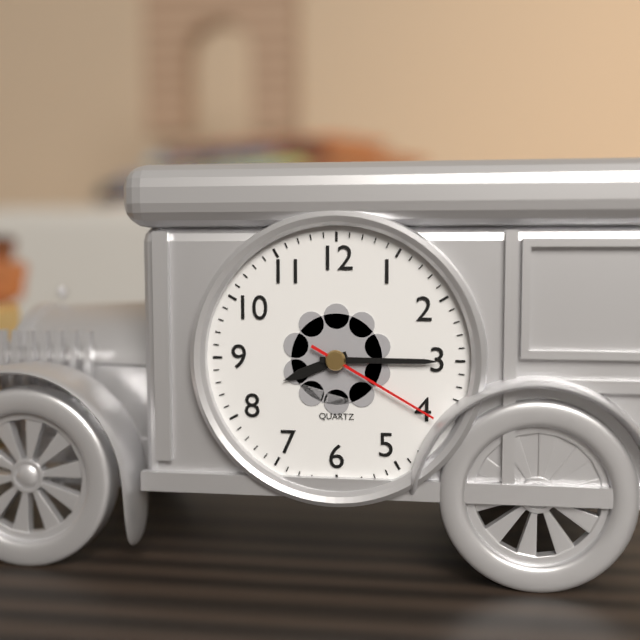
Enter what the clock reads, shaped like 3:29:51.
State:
8:15:20
